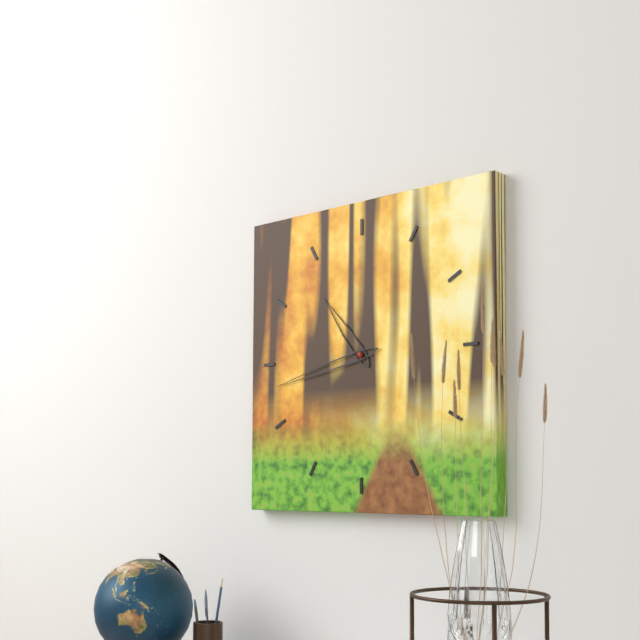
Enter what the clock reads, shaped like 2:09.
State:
10:43
